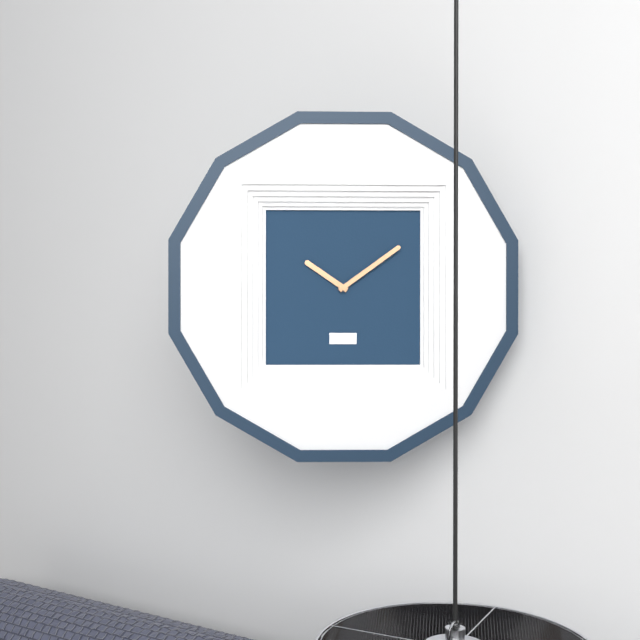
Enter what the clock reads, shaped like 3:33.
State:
10:09
